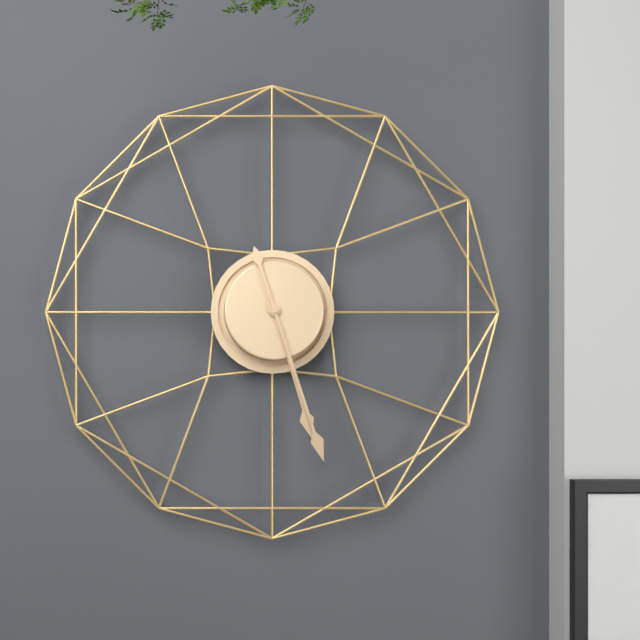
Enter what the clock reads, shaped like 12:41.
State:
5:27
